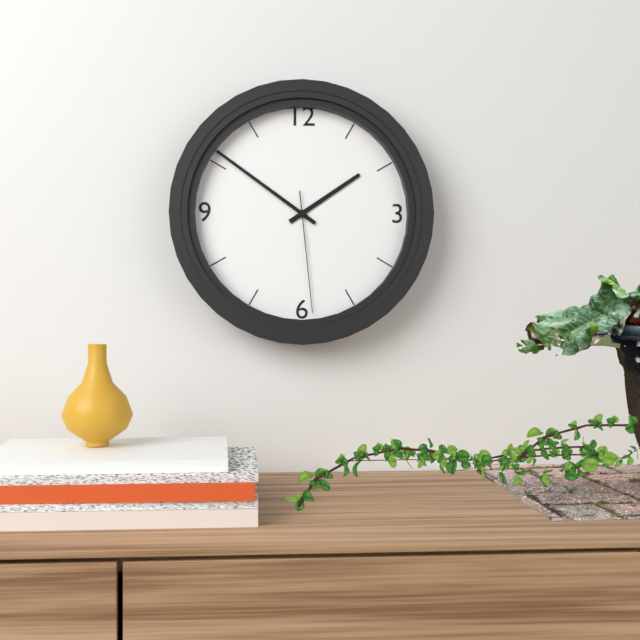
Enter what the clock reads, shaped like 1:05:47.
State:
1:51:29
